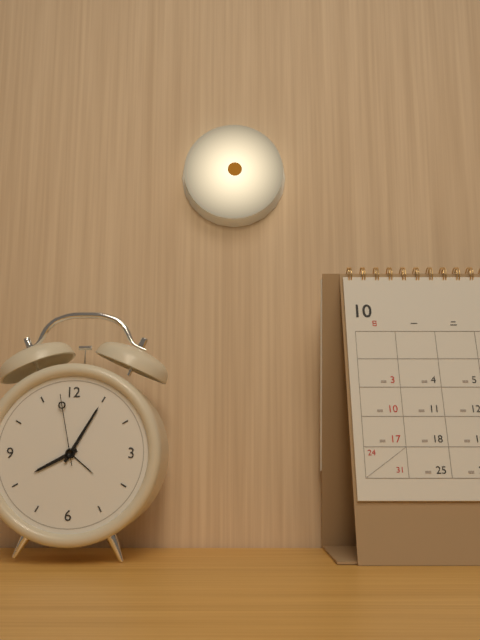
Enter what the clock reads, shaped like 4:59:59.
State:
8:05:58
